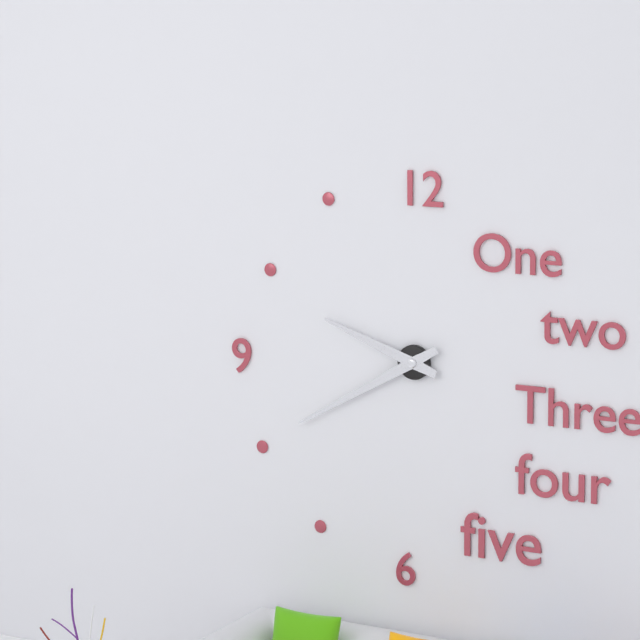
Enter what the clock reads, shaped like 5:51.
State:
9:40
